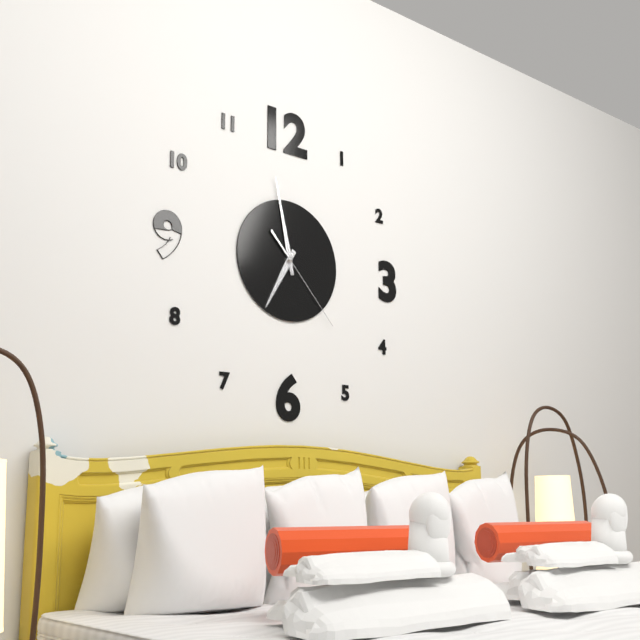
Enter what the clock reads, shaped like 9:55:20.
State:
6:58:23
